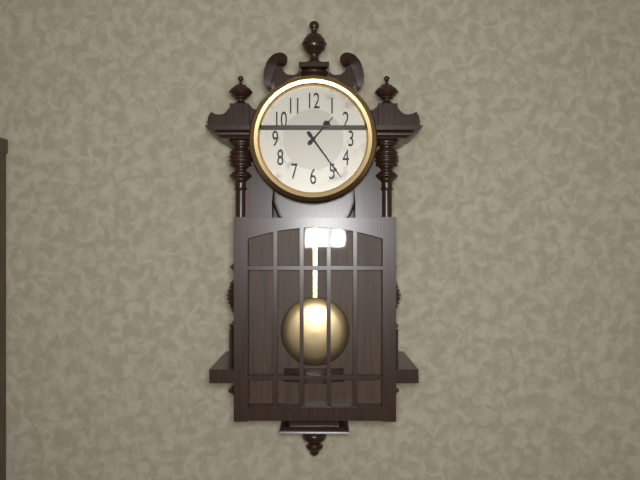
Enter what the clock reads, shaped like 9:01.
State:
1:24
